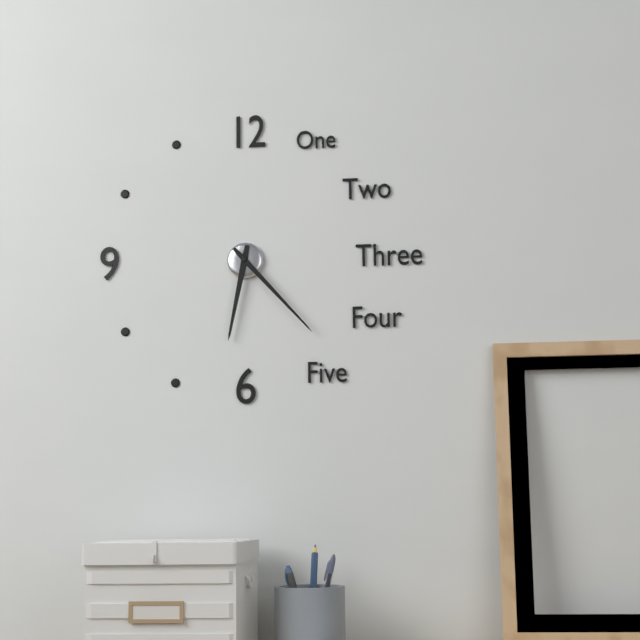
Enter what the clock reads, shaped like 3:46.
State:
6:23
